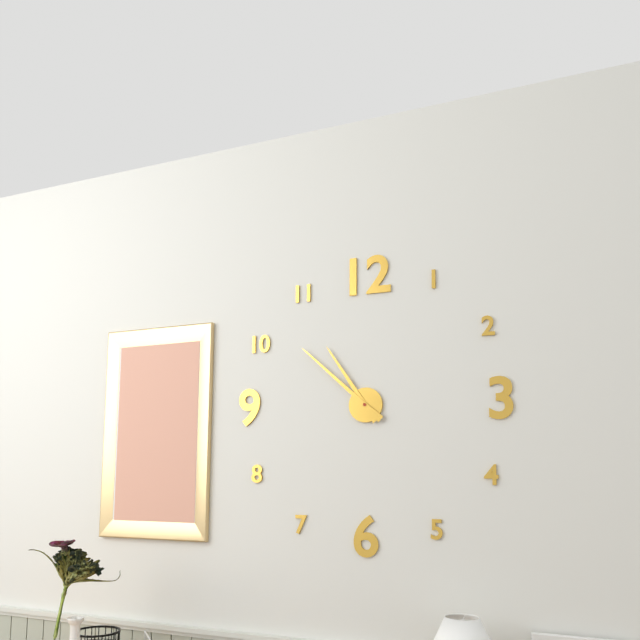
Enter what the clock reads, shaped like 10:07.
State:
10:52
